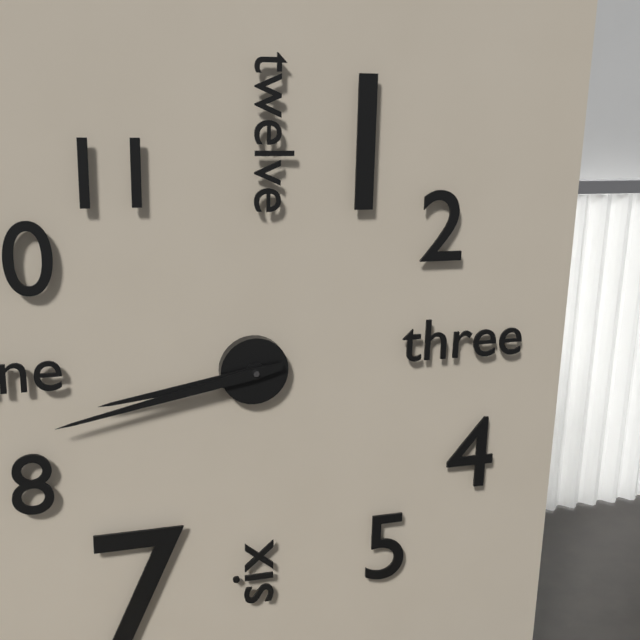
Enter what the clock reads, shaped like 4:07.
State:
8:43
